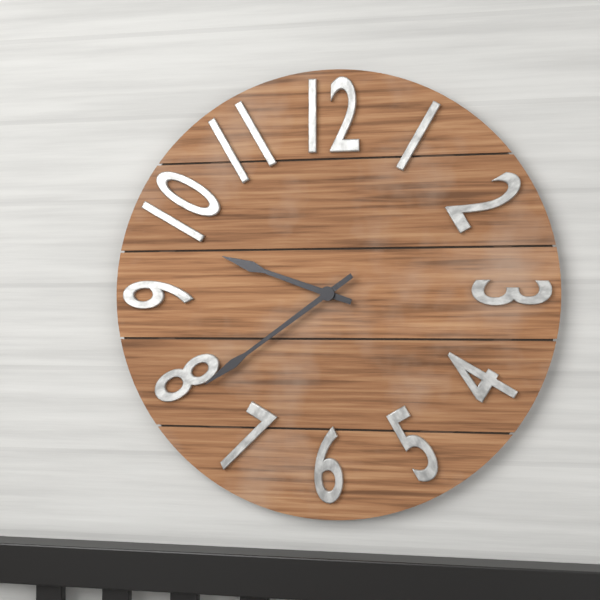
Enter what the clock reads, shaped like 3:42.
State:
9:39
